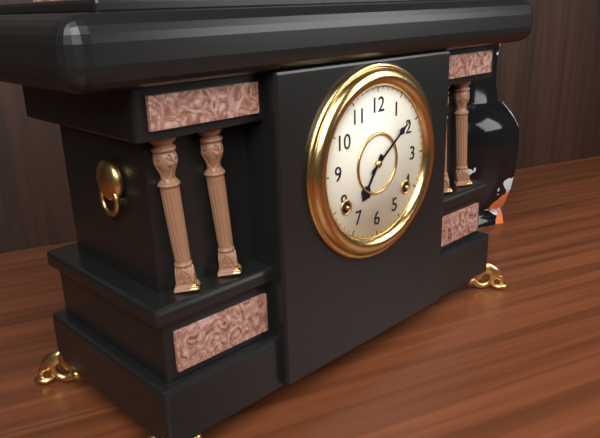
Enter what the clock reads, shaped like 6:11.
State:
7:09
